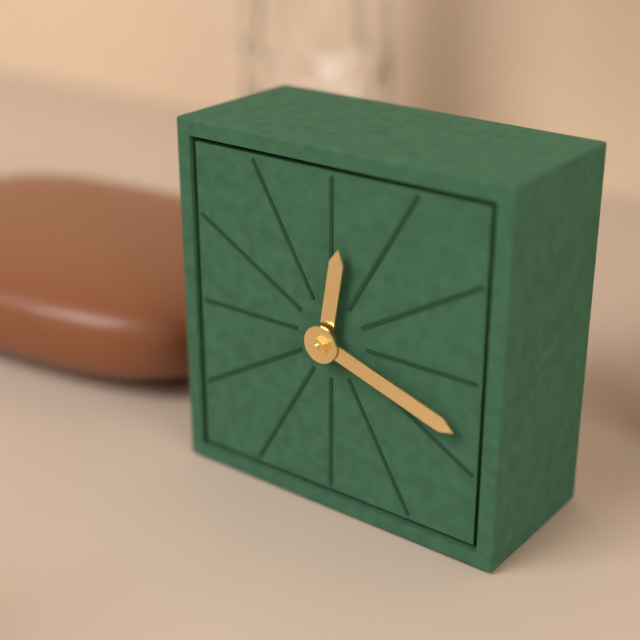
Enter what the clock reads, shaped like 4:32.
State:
12:18
